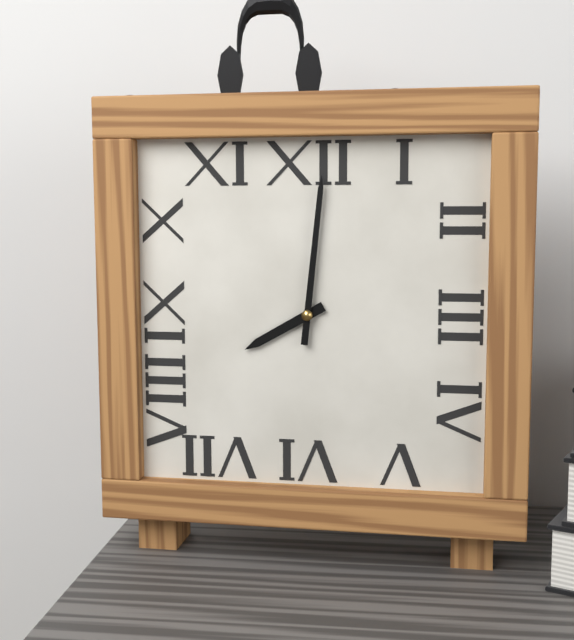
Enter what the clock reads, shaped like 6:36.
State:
8:01
